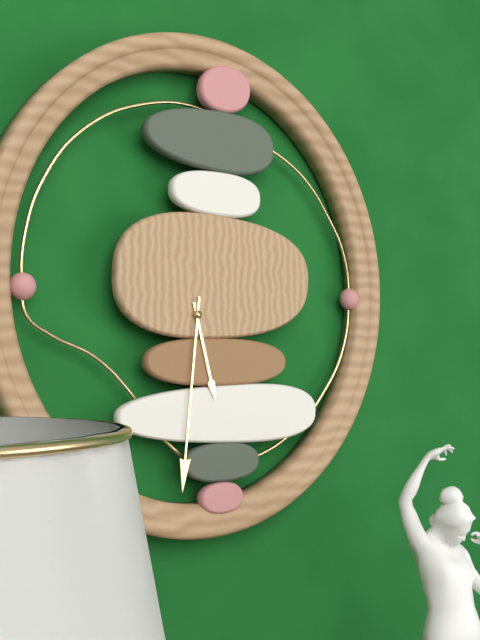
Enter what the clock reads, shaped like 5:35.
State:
5:31
